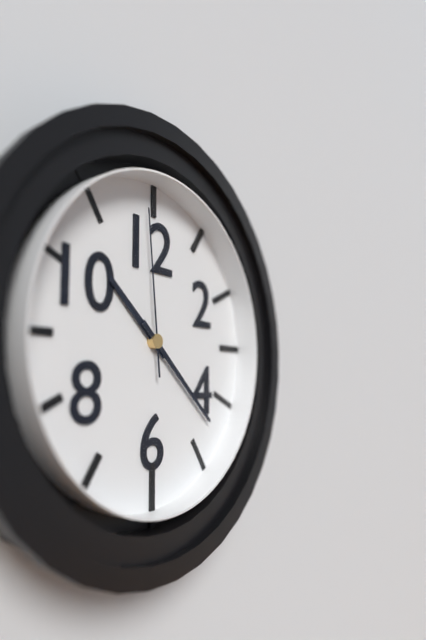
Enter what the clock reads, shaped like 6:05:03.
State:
10:22:59
